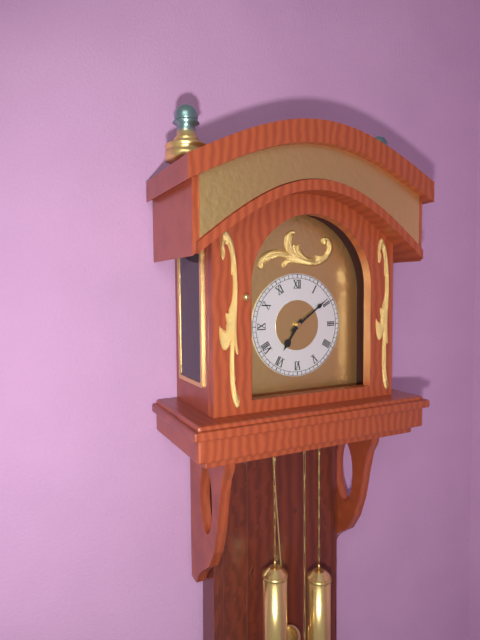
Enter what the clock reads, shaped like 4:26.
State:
7:09
